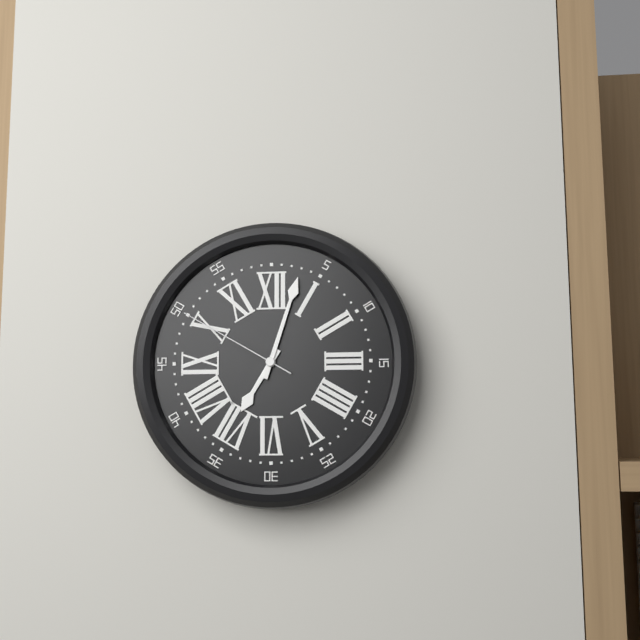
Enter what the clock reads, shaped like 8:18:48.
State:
7:03:50
